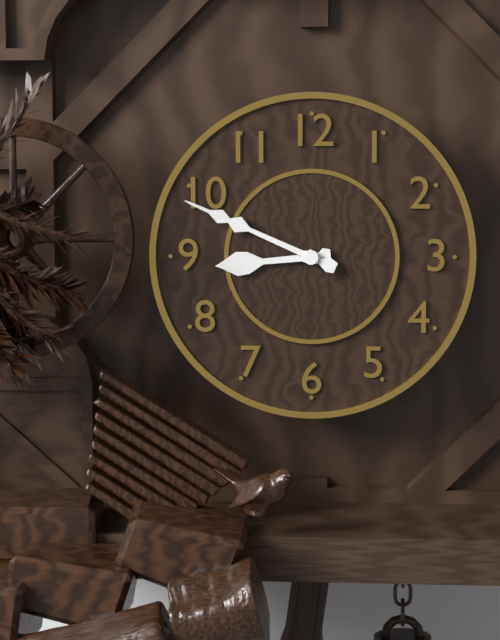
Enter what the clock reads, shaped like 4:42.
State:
8:49
